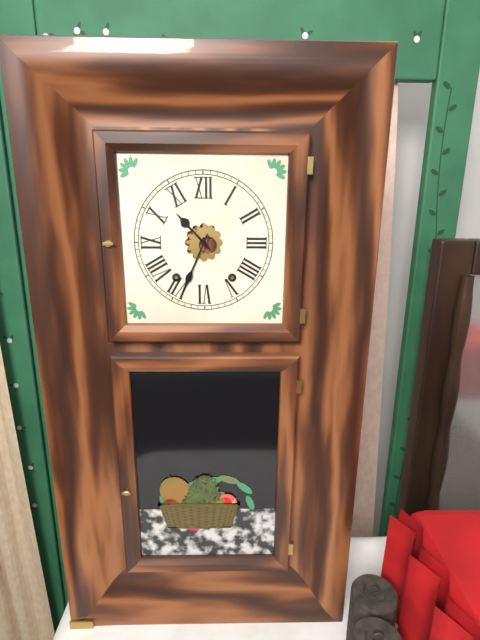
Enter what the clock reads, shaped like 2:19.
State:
10:34
